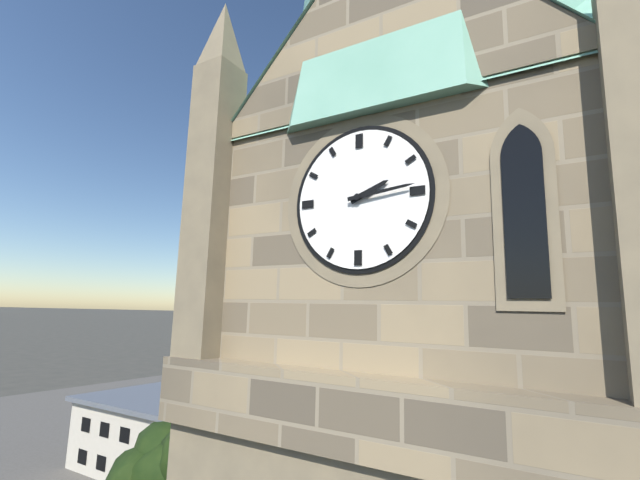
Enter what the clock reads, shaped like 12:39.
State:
2:14
